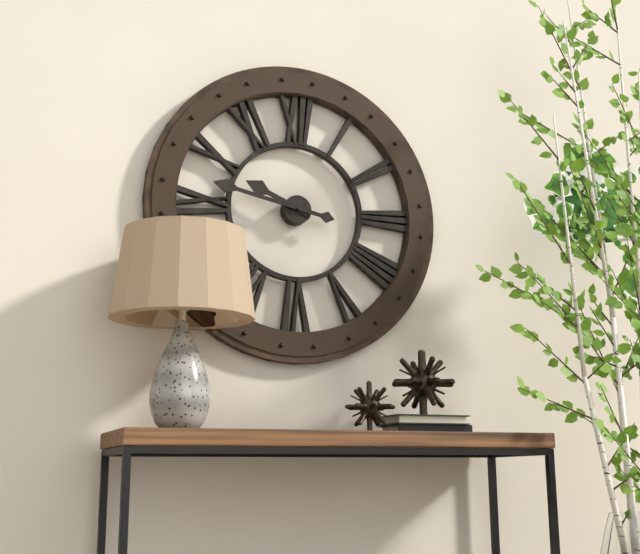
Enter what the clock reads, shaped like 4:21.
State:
9:47
